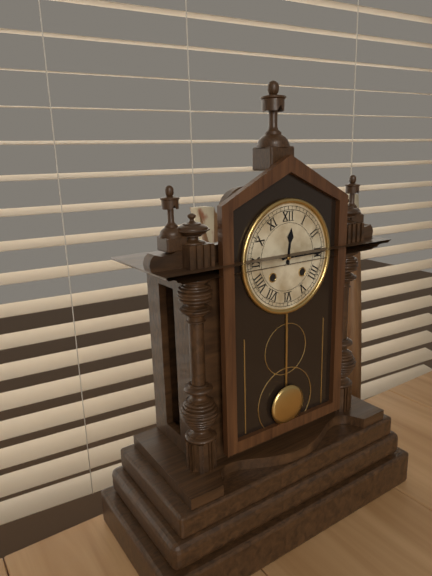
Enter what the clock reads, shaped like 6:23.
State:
12:15
